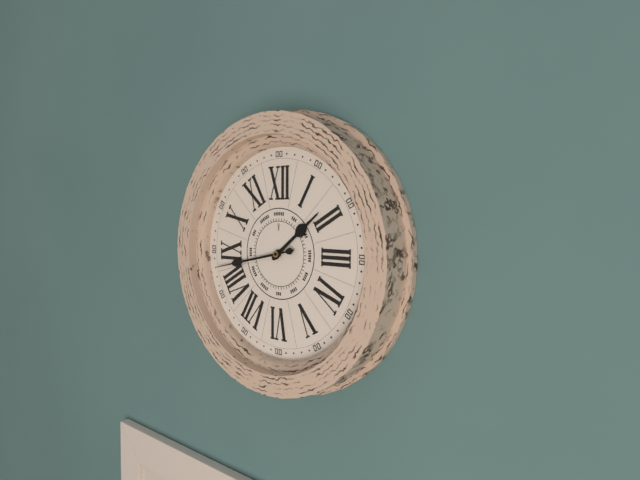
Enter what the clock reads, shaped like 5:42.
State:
1:43
